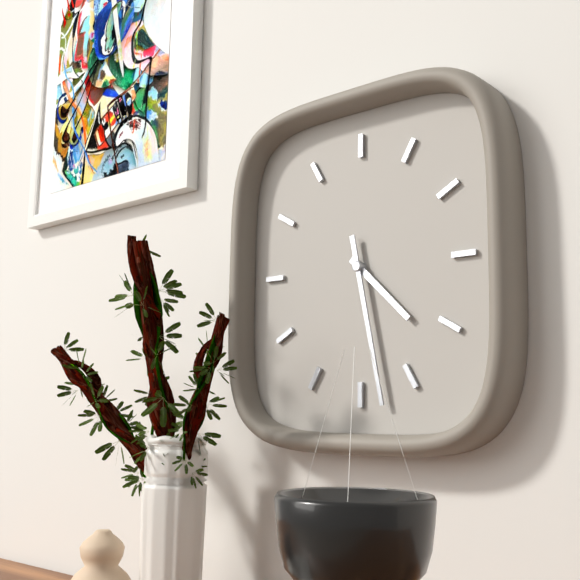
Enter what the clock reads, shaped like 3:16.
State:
4:28
